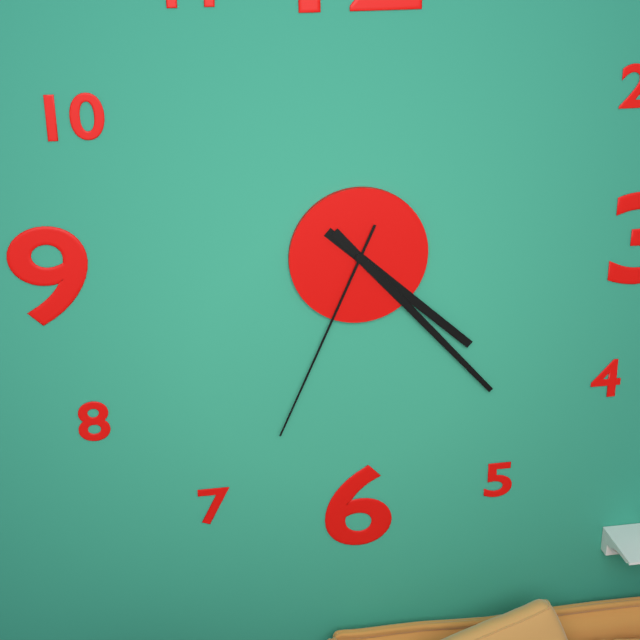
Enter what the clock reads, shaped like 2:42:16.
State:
4:23:34
